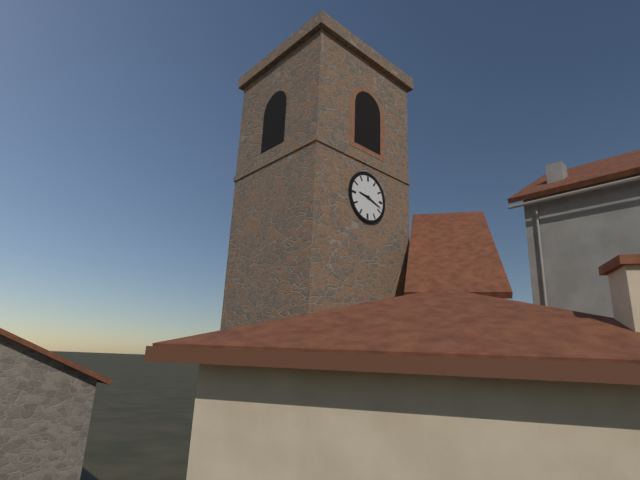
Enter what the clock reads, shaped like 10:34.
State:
9:18
